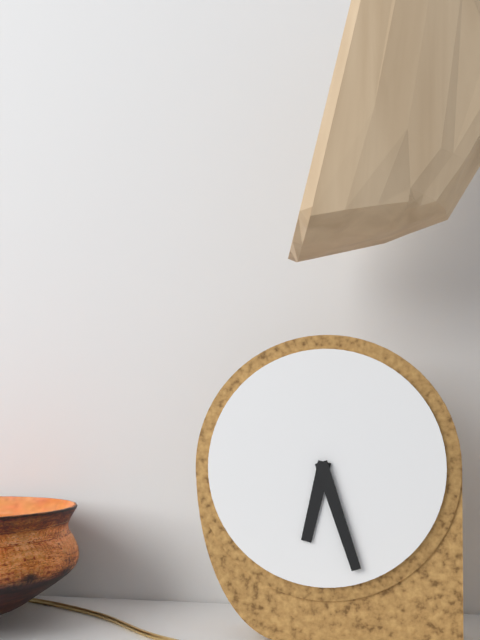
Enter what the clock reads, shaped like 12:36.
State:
6:27
